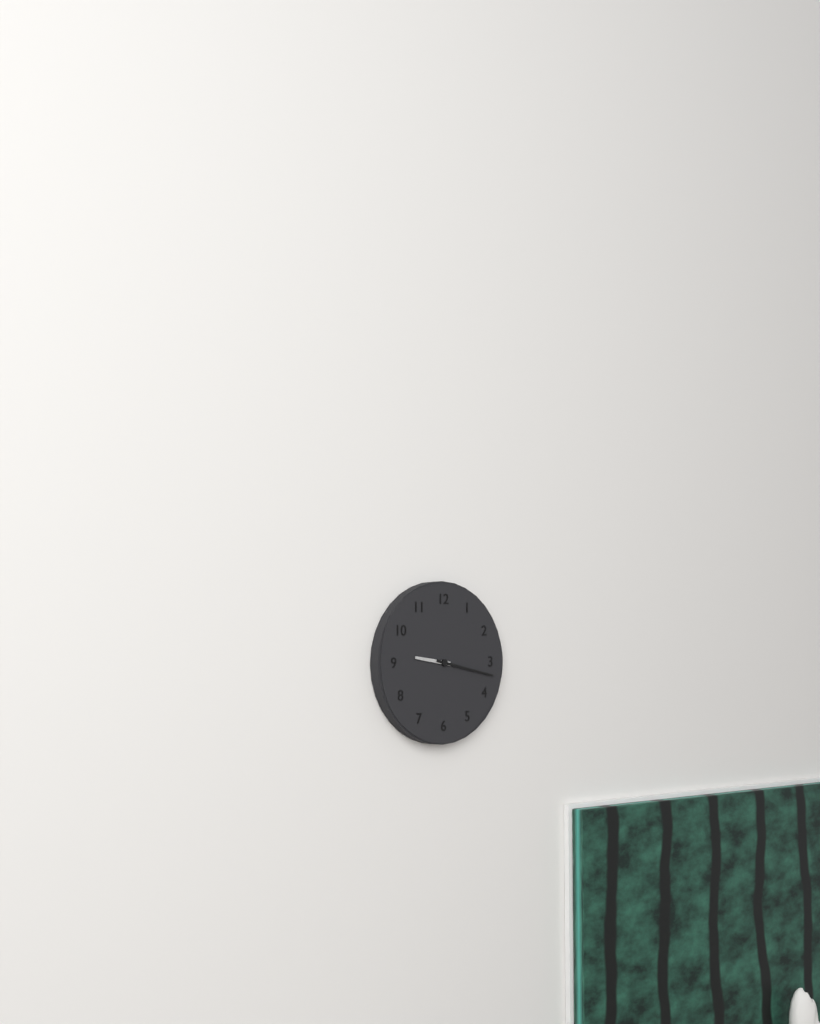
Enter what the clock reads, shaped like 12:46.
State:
9:17
